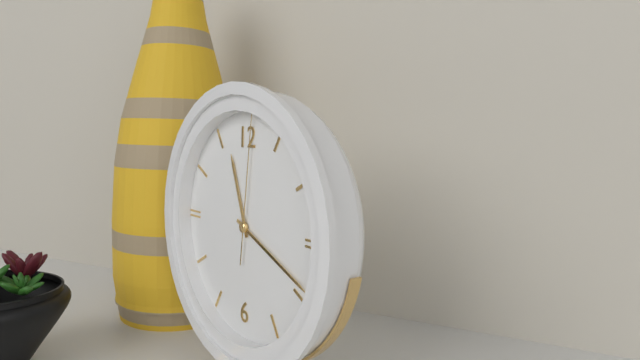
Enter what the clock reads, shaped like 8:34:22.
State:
11:19:01
